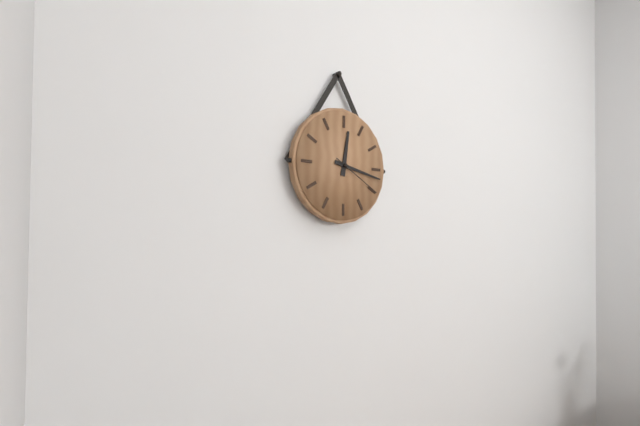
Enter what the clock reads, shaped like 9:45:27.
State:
12:17:20
